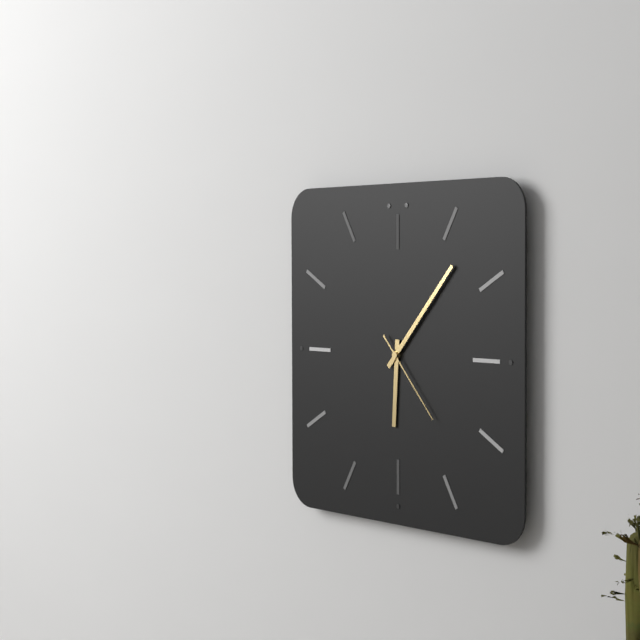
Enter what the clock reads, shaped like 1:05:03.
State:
6:07:23
